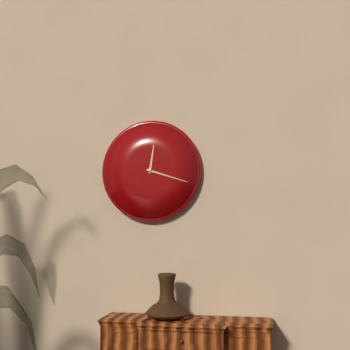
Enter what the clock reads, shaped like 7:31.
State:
12:18
